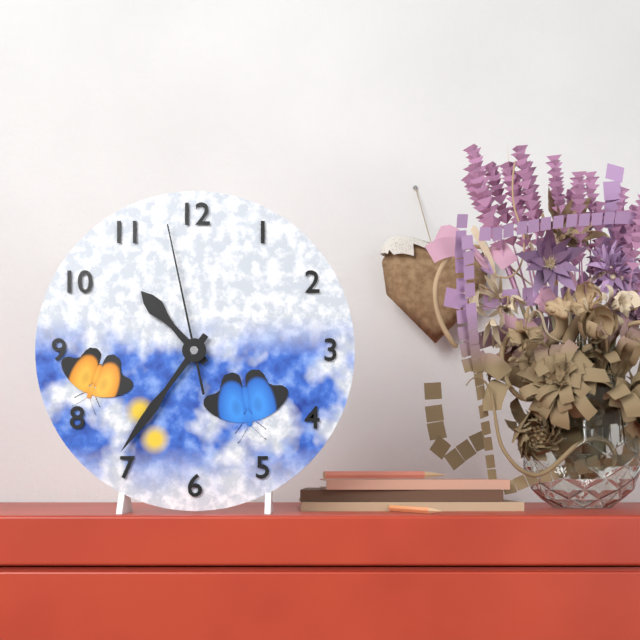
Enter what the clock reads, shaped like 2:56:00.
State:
10:36:58
